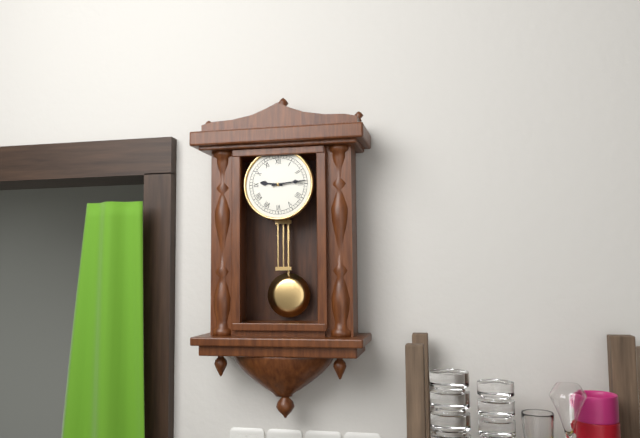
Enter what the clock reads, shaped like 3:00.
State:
9:14
